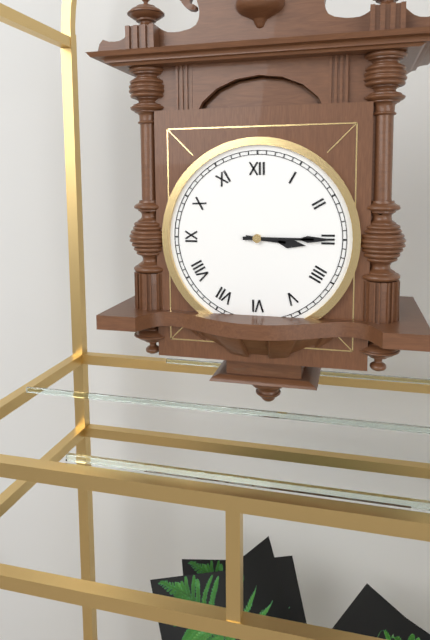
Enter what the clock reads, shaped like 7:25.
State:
3:15
